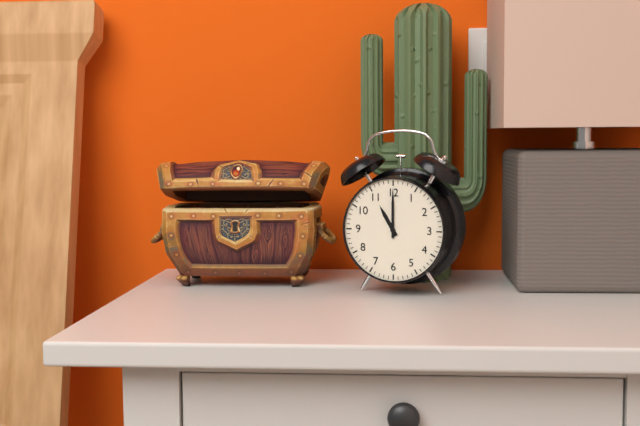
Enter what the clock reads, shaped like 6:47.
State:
11:00
